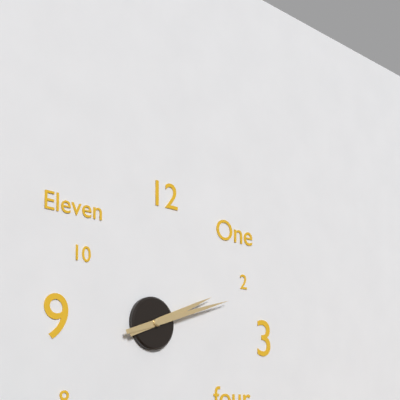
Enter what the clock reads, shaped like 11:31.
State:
2:12
